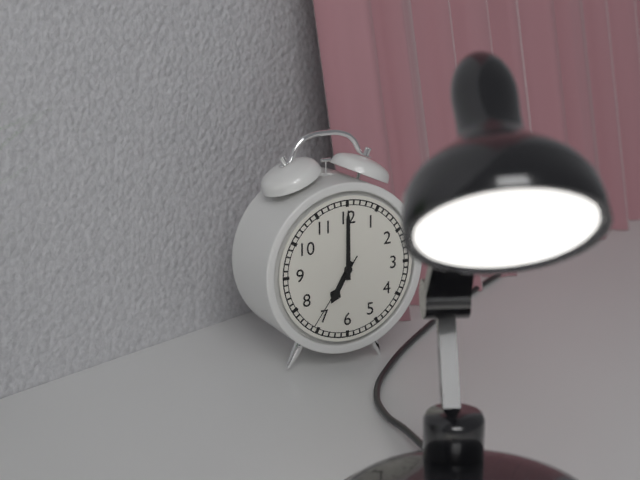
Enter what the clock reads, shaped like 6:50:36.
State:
7:00:36
